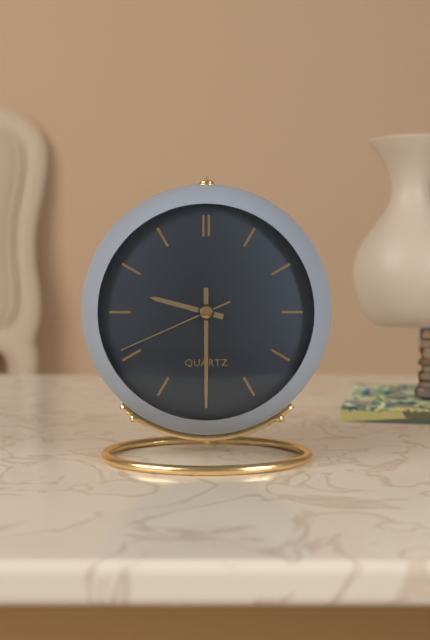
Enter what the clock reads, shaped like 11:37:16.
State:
9:30:41
